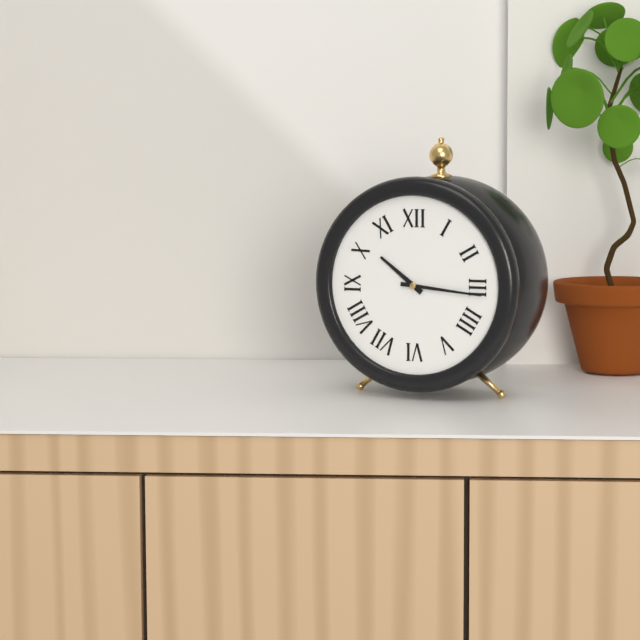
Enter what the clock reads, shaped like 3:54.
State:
10:16
